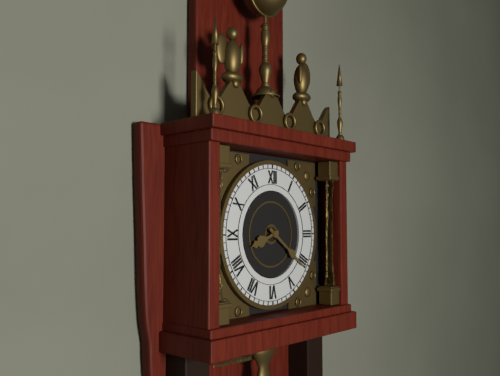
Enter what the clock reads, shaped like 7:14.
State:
8:21
